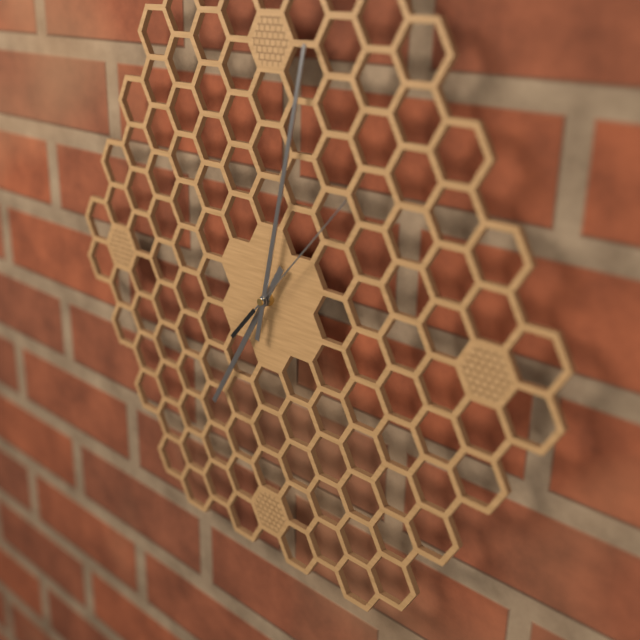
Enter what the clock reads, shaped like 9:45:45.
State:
7:02:07
